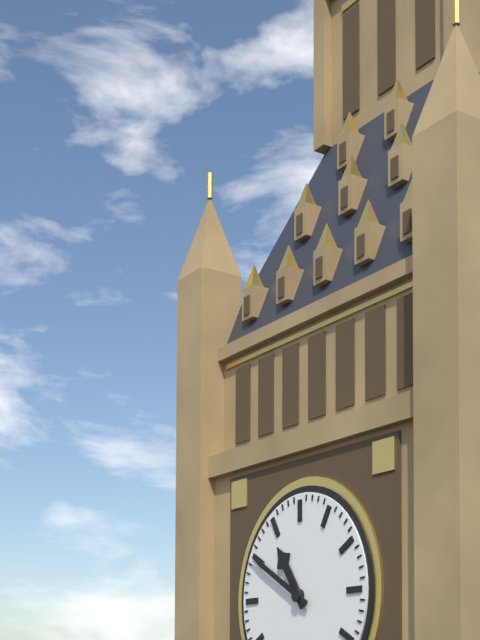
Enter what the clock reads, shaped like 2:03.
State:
10:50
